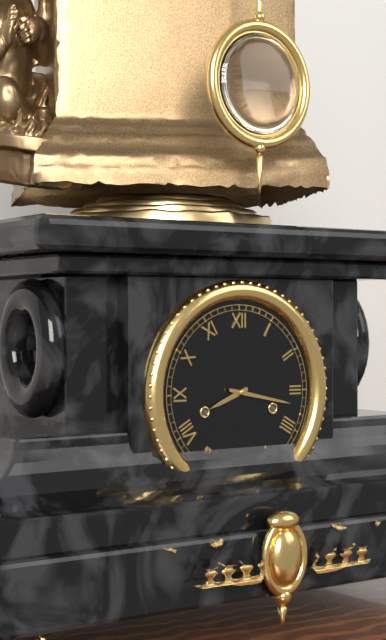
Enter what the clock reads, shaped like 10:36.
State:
8:17
